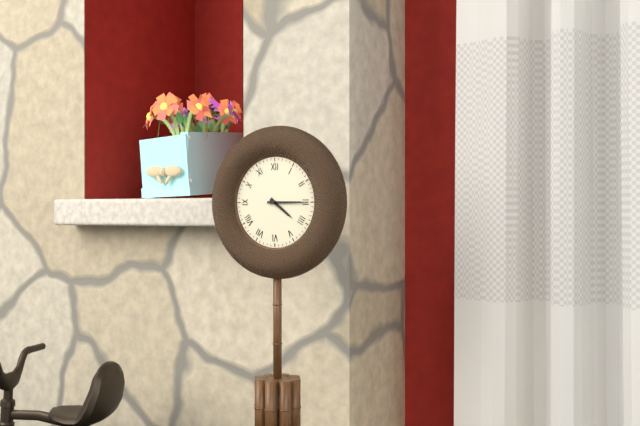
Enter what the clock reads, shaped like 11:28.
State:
4:15
